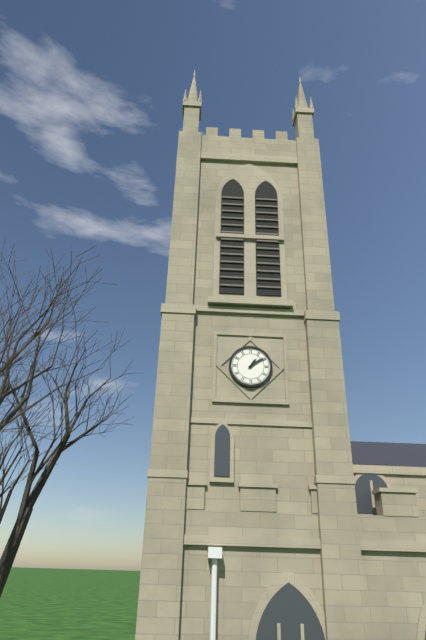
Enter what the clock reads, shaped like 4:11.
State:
1:09
